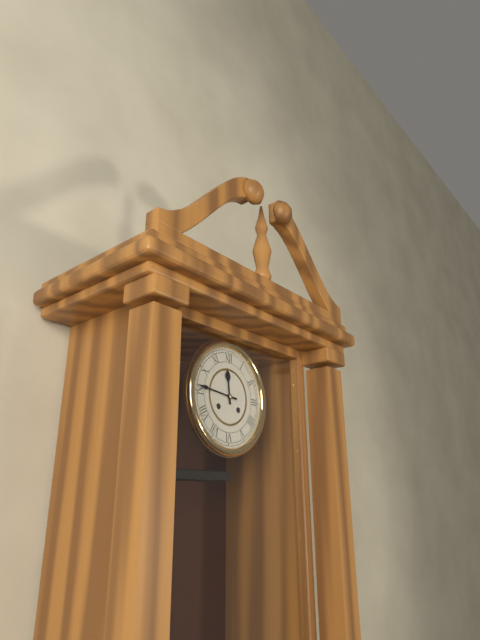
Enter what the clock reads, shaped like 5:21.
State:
11:46
